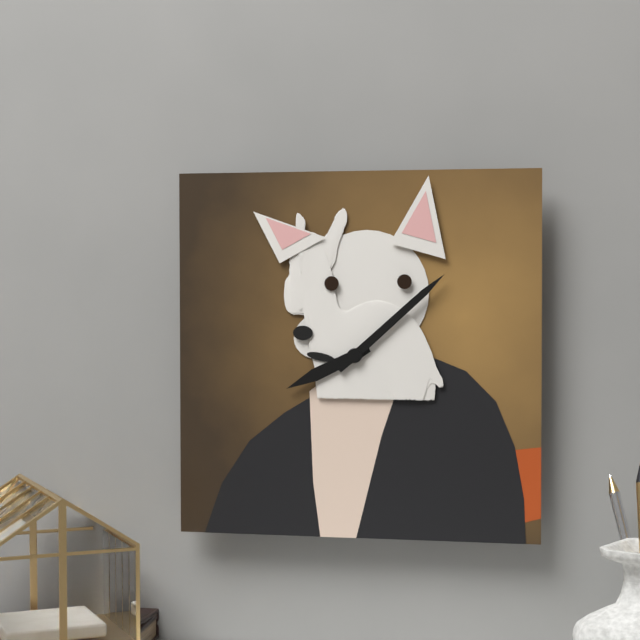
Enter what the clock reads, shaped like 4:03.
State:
8:08
